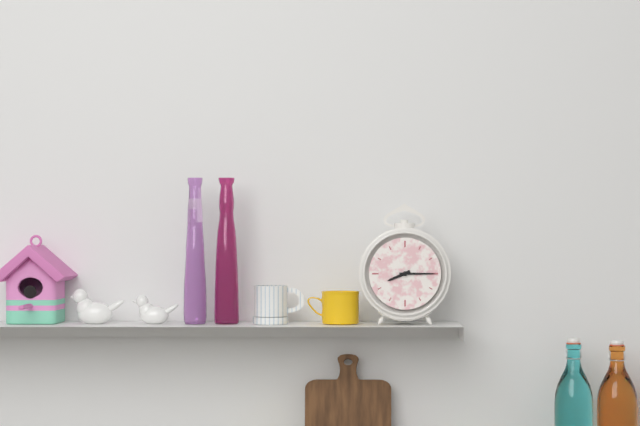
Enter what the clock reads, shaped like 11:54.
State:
8:15
